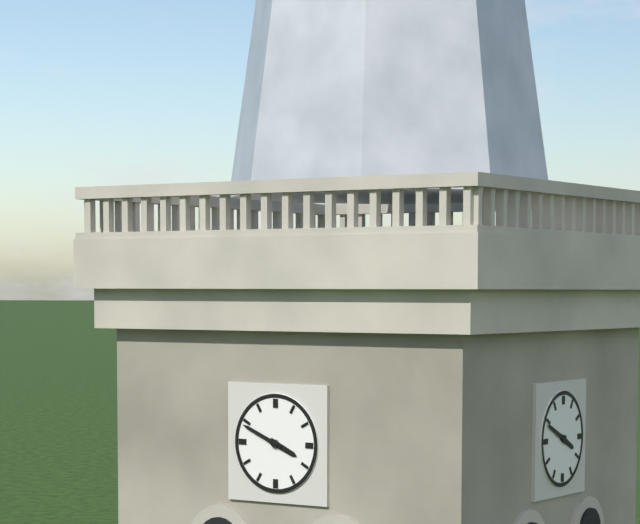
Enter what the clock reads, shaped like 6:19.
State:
3:49
